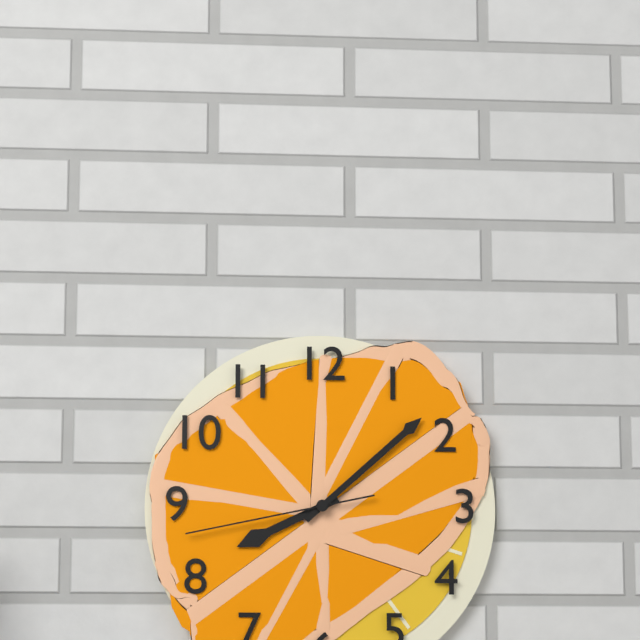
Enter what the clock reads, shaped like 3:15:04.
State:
8:08:43
